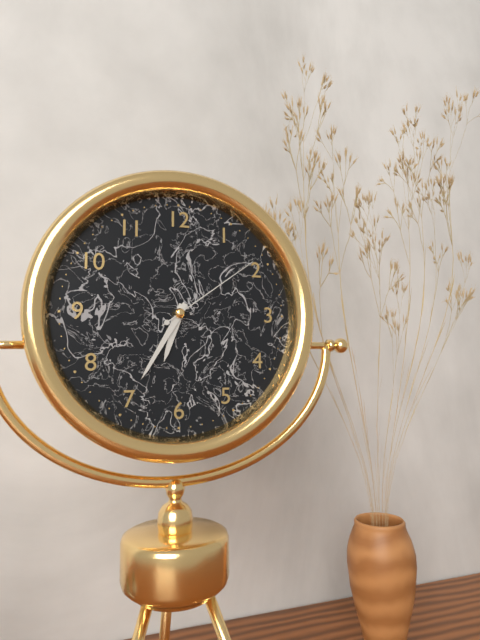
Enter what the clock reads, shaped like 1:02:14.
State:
6:35:09
